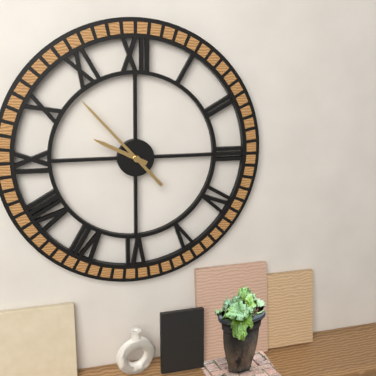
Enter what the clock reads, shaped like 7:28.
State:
9:53
